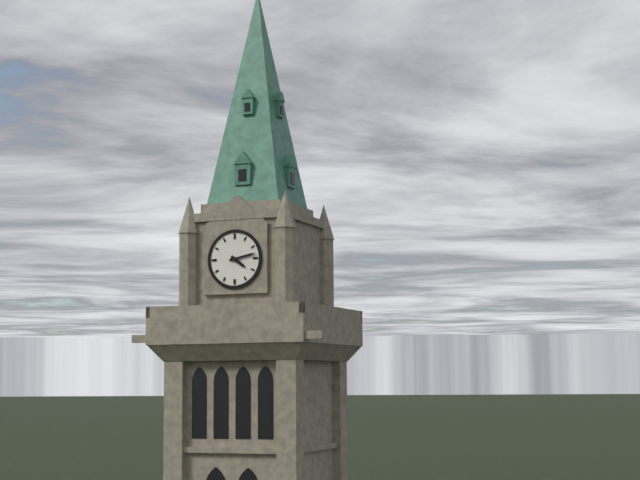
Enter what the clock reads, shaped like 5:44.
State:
4:13
